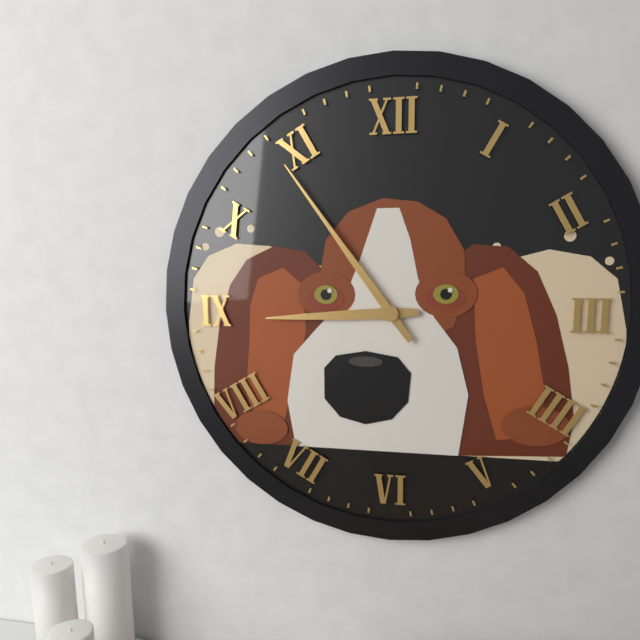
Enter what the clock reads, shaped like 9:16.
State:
8:54
